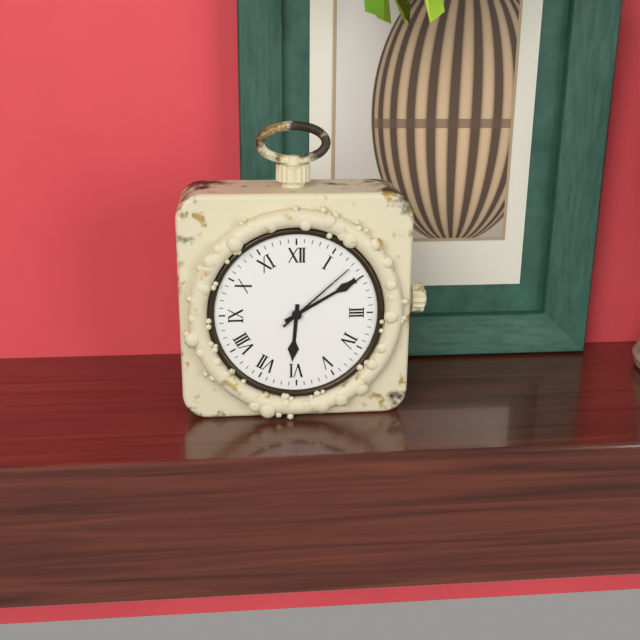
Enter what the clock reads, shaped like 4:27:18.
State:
6:10:08
